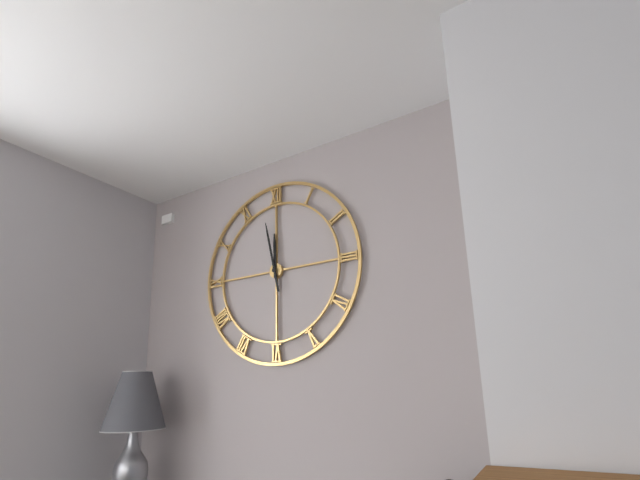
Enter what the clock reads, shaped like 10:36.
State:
11:58
